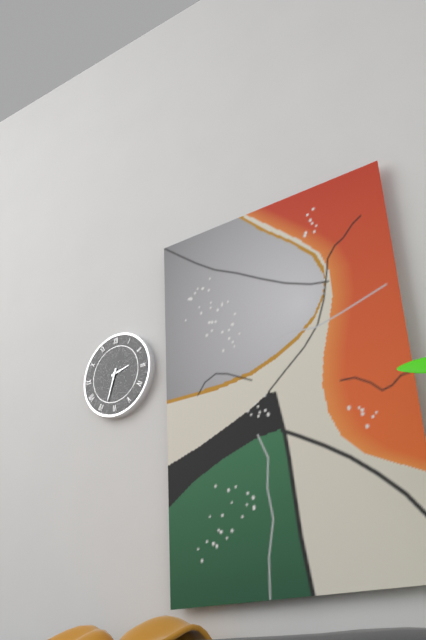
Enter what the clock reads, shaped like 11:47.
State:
2:33
